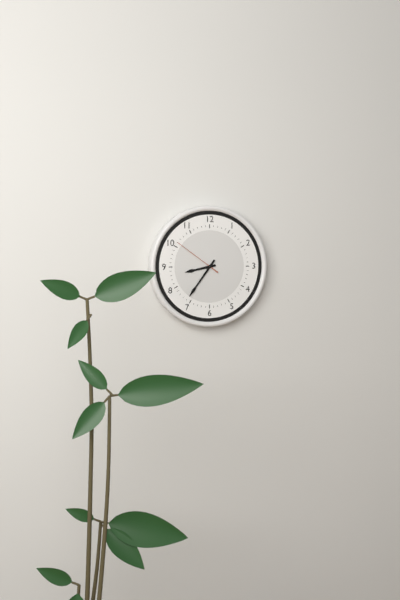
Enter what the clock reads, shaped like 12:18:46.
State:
8:36:51
